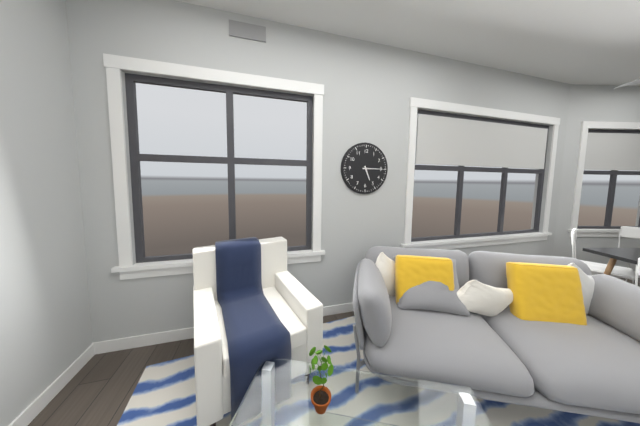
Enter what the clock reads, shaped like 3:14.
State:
5:15
